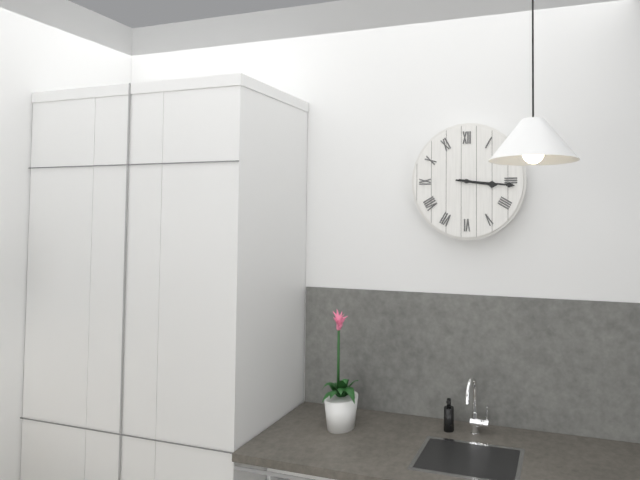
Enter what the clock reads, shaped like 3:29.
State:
3:16
